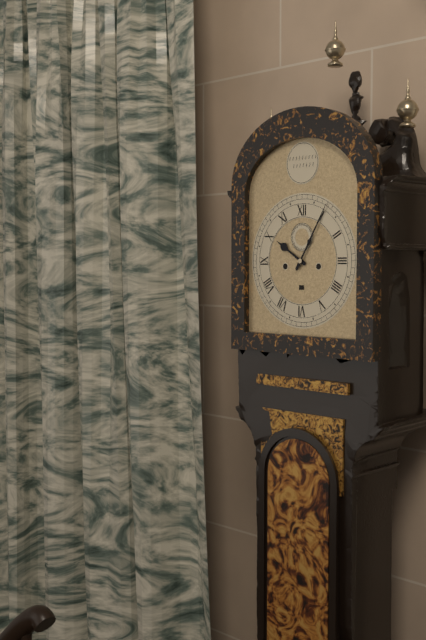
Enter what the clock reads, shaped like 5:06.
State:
10:05
